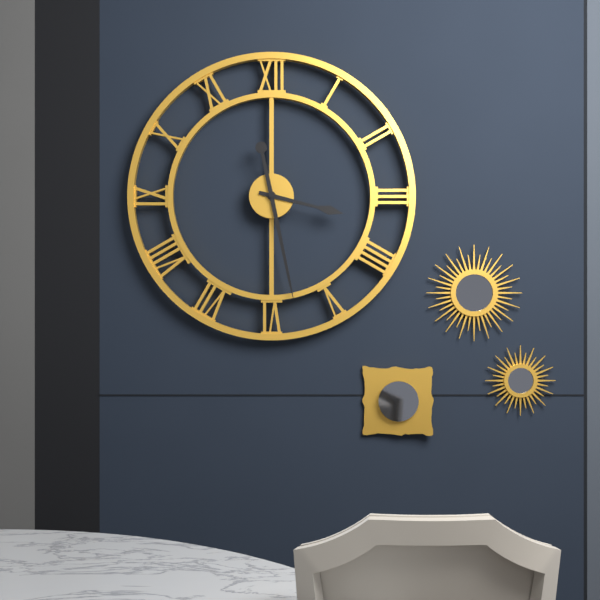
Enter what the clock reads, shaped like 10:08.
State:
3:28
